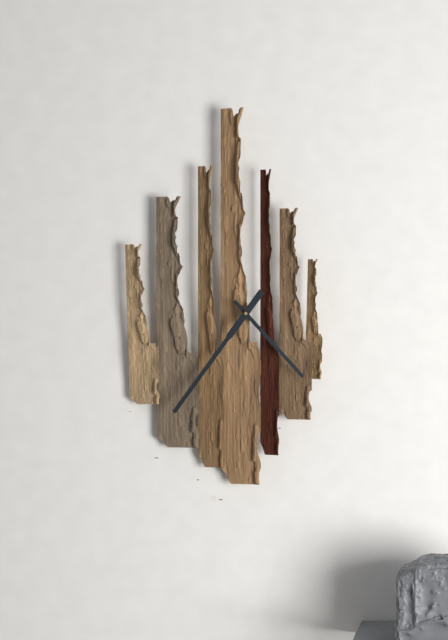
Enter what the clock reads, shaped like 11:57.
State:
4:36
